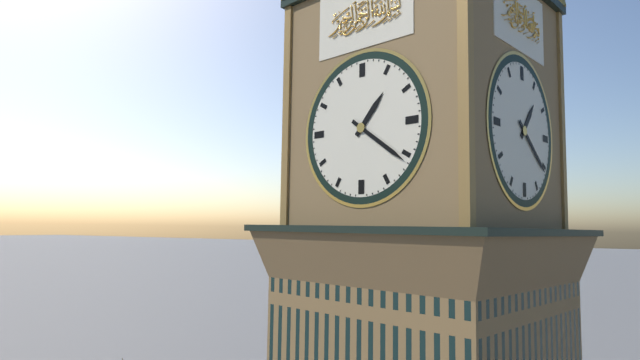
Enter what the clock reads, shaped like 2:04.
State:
1:21
